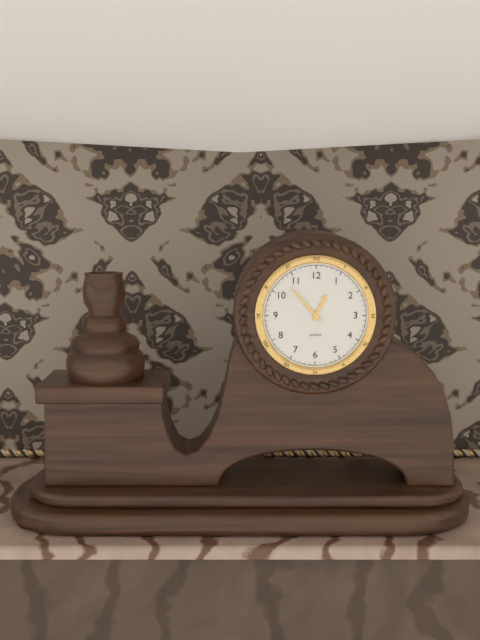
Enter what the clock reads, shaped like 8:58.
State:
12:53
